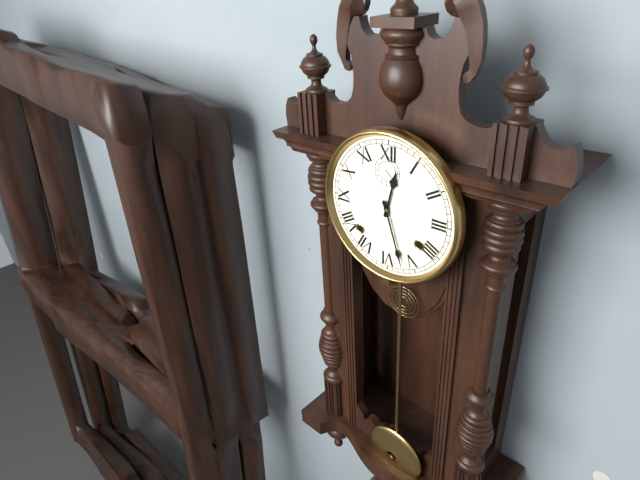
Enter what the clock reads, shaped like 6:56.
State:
12:27
